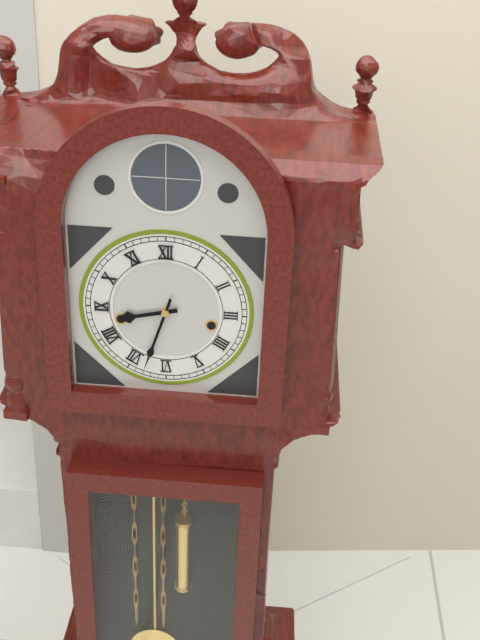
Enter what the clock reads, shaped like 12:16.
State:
8:33
